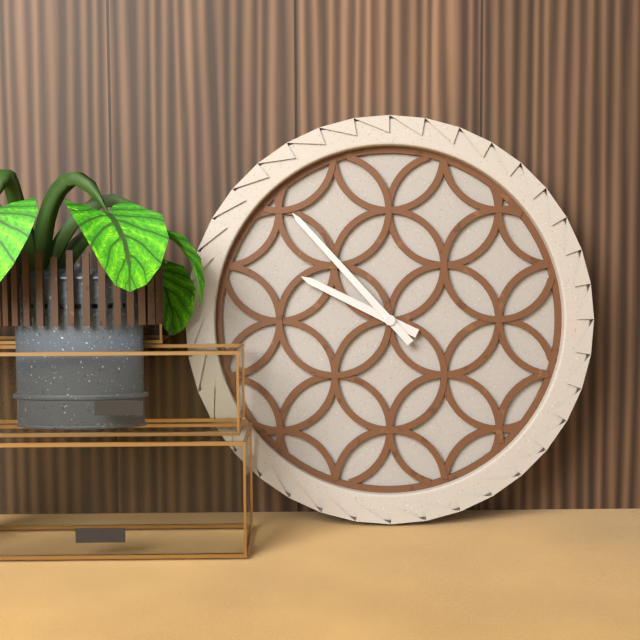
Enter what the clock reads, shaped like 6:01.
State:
9:53
